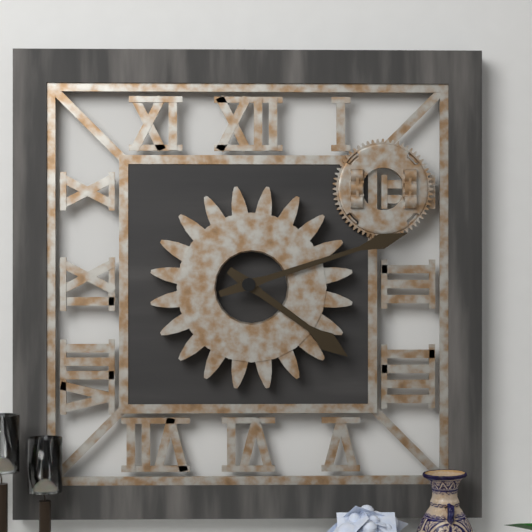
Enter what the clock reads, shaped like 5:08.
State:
4:12
